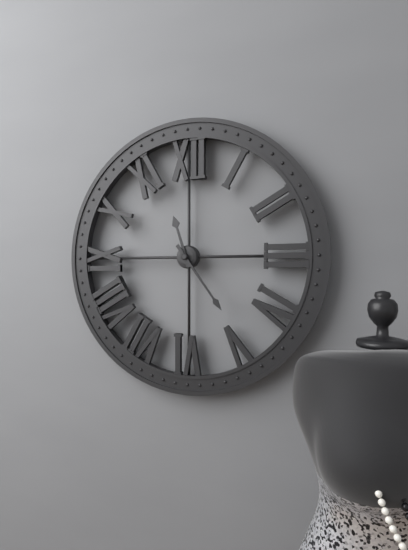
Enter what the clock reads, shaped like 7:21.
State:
11:24
